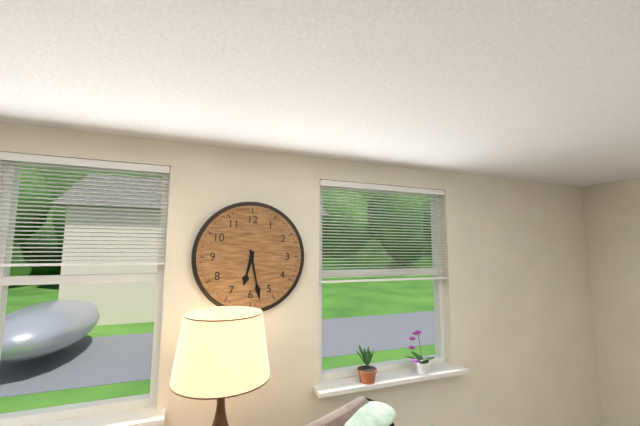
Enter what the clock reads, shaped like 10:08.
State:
6:28
